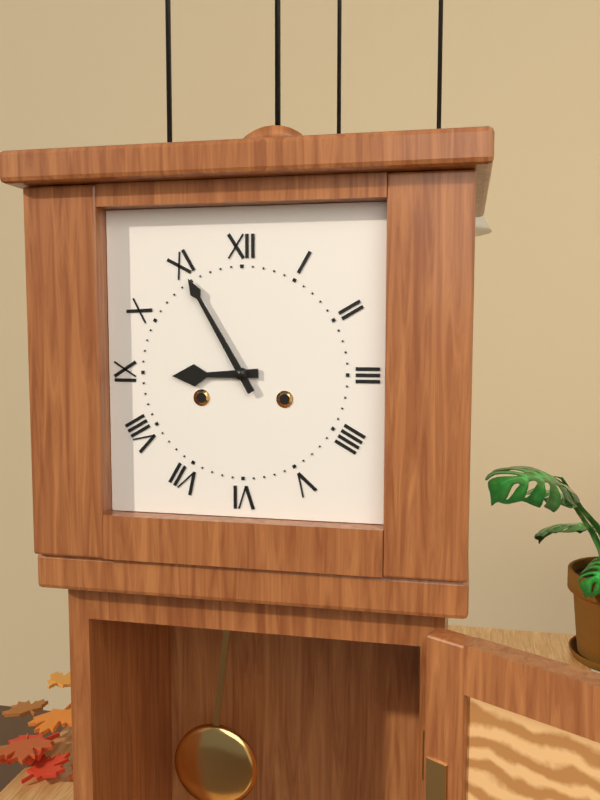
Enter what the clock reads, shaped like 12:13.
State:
8:55
